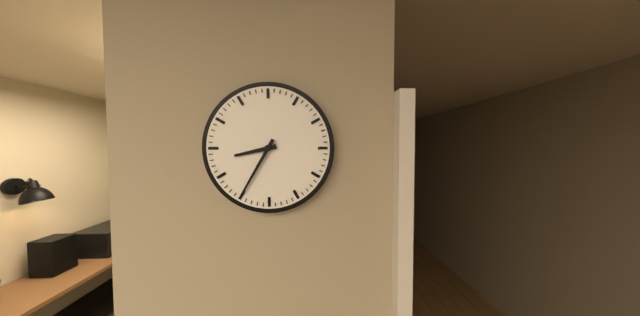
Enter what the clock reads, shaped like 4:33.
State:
8:35
